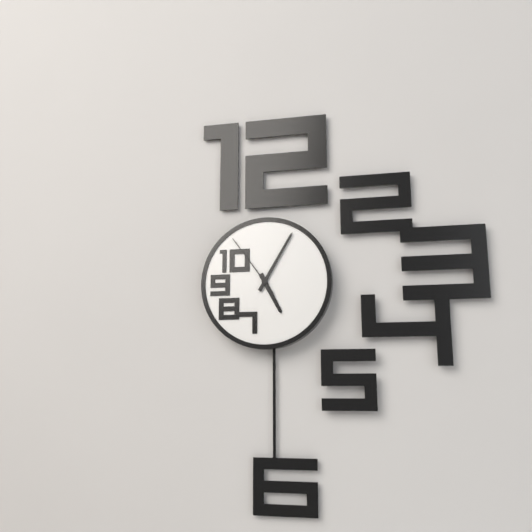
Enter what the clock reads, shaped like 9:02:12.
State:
5:05:54
